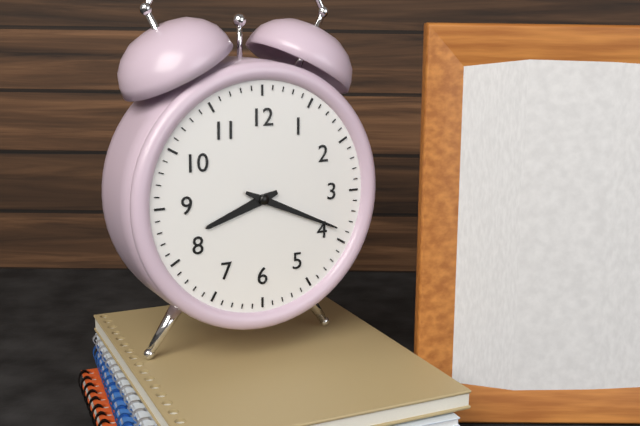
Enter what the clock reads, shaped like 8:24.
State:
8:19
